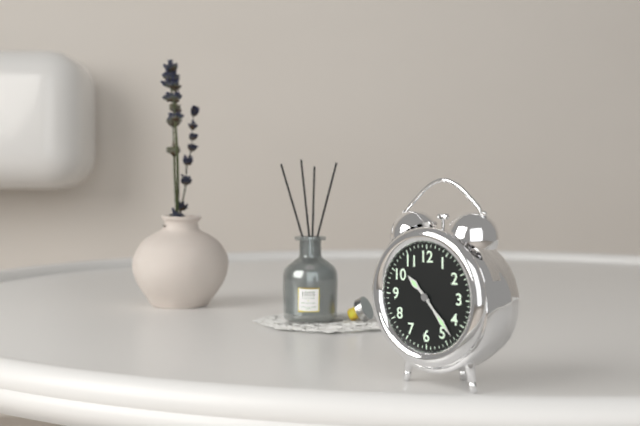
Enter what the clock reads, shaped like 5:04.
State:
10:23
